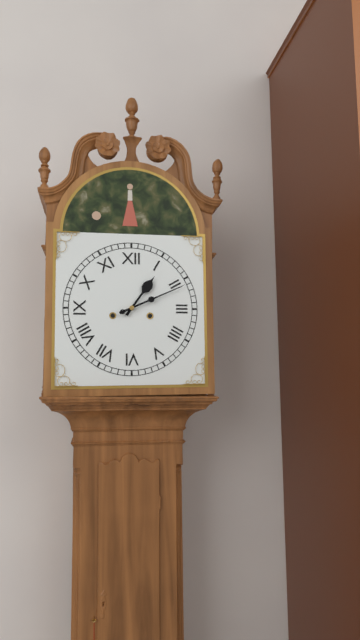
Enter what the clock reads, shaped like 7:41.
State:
1:11
